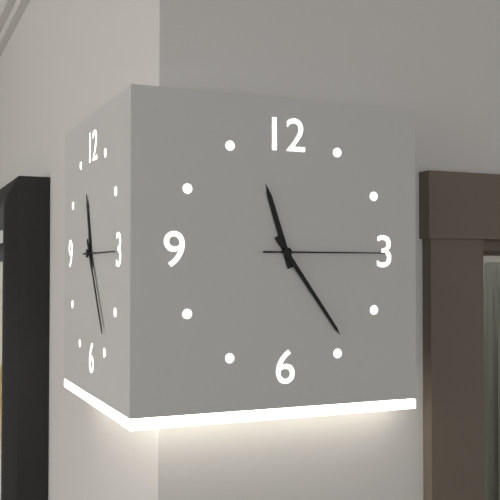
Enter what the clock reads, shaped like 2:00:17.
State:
11:24:15
